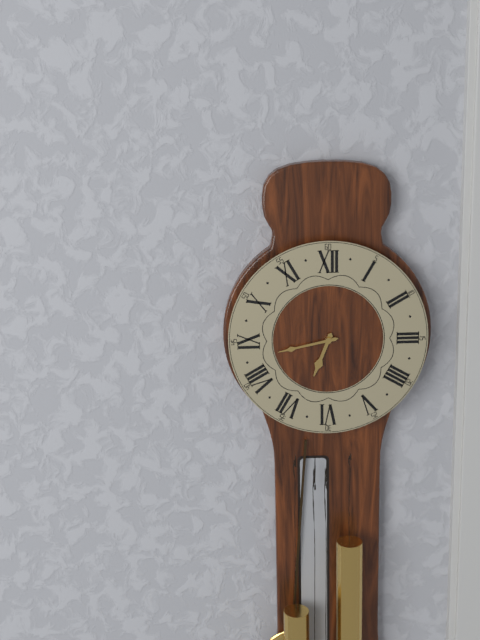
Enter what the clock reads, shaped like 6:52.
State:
6:43
